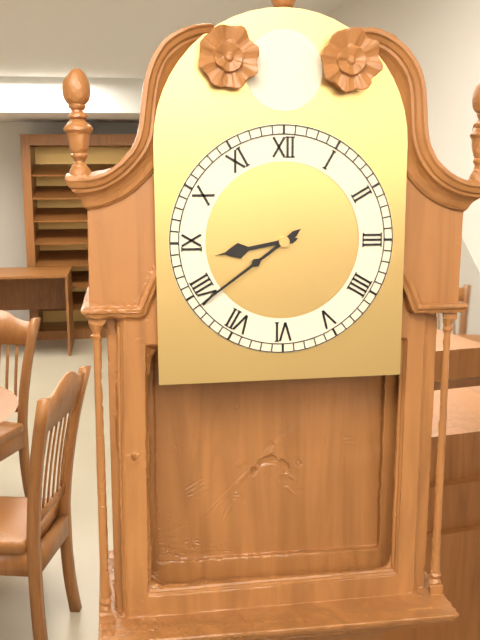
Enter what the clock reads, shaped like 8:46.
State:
8:39
